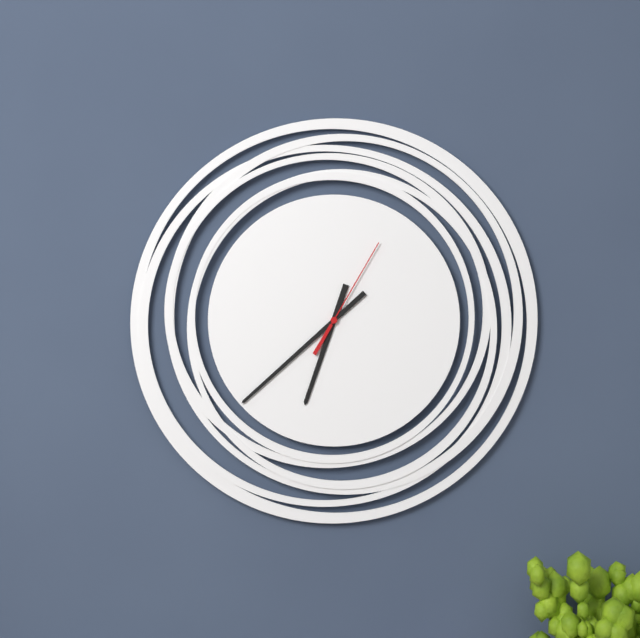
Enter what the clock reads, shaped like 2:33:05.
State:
6:38:05
